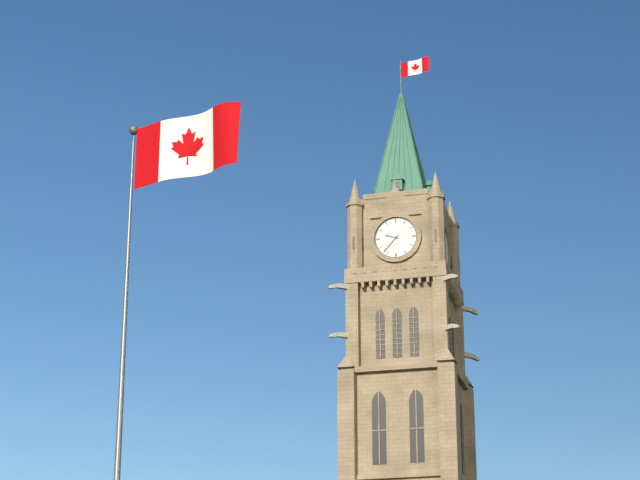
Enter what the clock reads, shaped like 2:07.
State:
9:37
